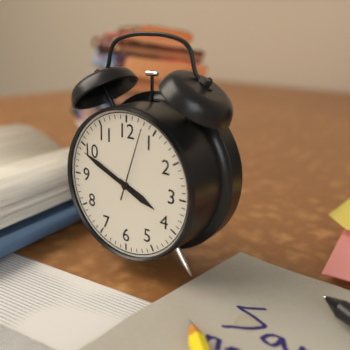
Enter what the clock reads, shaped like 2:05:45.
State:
3:49:03
